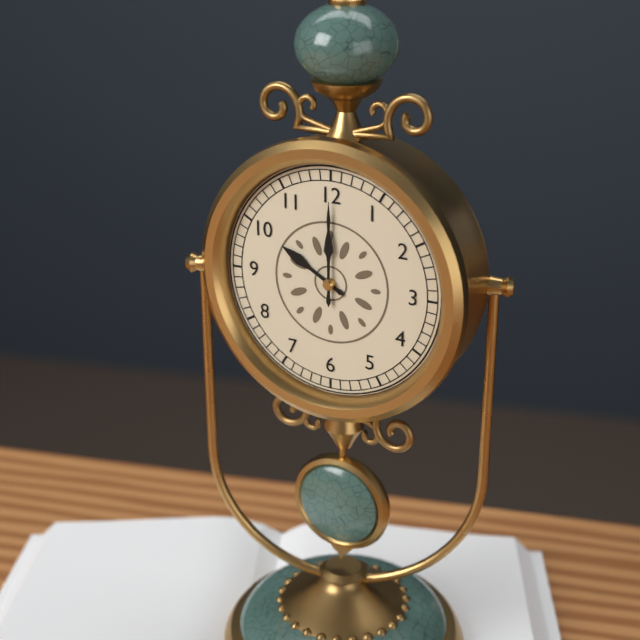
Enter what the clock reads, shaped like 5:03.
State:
10:00
